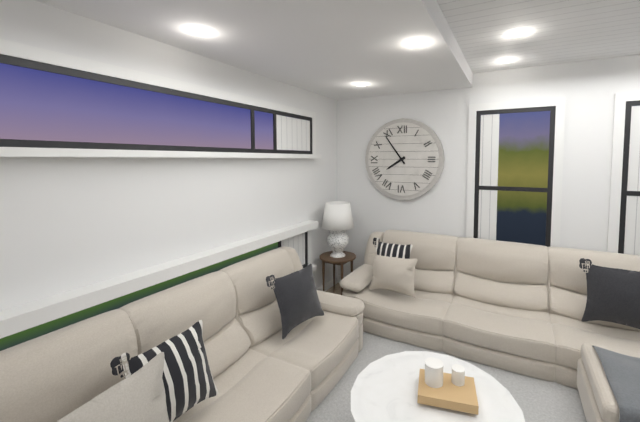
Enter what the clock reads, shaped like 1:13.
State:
7:54
